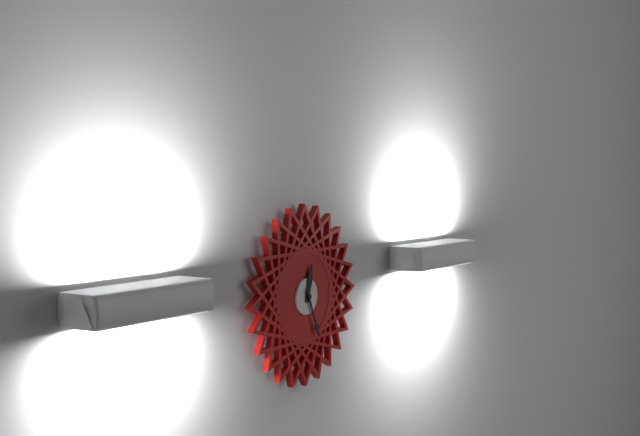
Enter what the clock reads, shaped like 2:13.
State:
12:26
